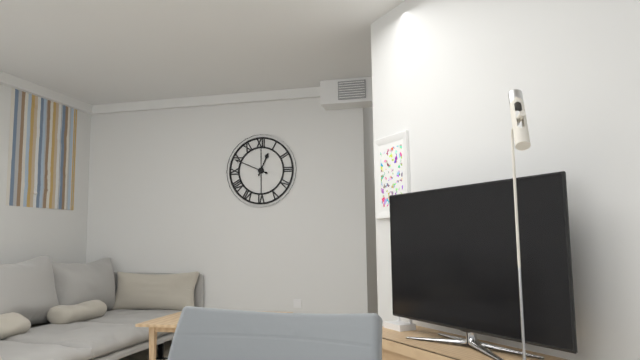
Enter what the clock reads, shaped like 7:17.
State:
12:49
